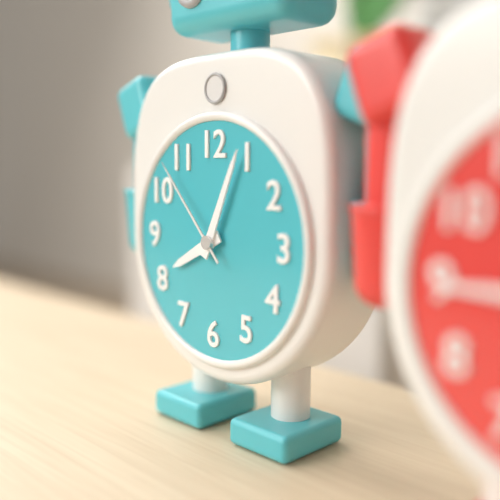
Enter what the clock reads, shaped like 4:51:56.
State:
8:04:53
